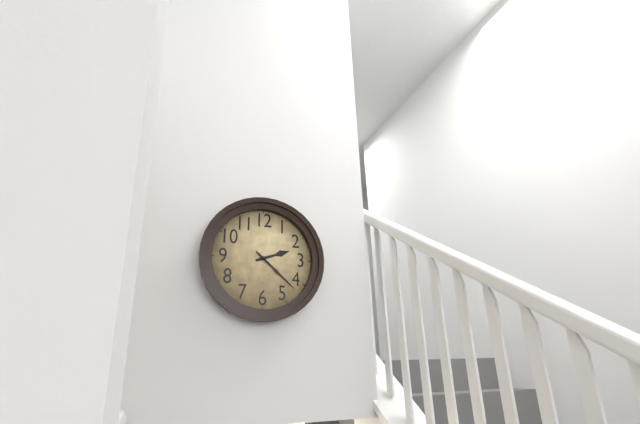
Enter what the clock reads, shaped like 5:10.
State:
2:22
